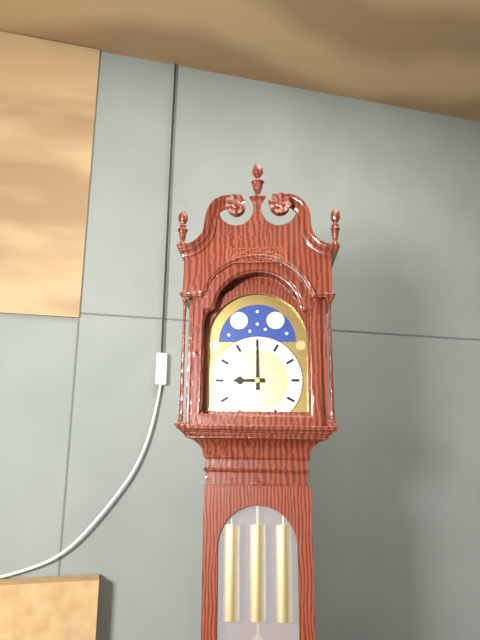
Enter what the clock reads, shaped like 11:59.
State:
9:00
